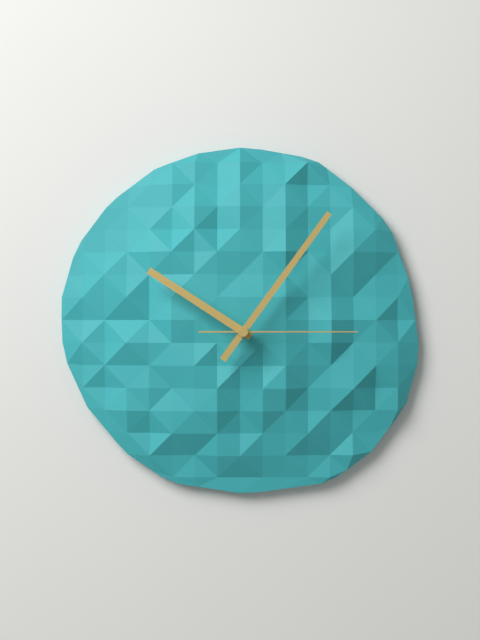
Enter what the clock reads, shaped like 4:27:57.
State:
10:06:15
